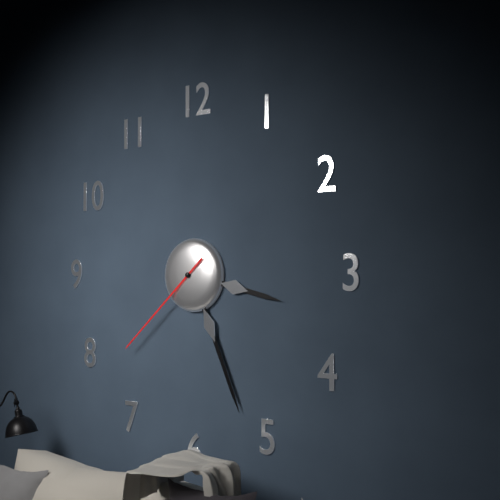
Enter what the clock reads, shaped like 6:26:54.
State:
3:26:38
